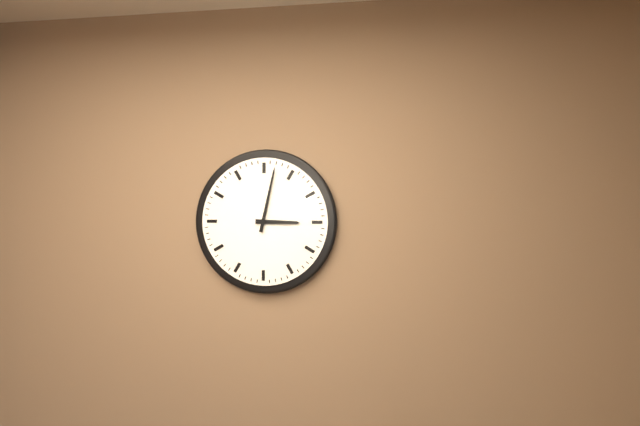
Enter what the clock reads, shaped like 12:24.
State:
3:02
